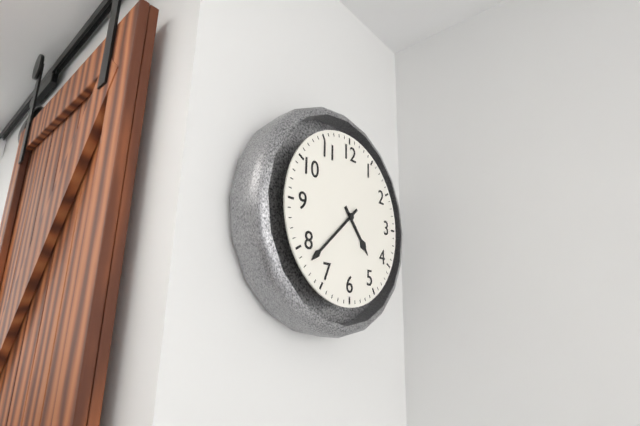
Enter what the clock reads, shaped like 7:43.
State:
4:38
